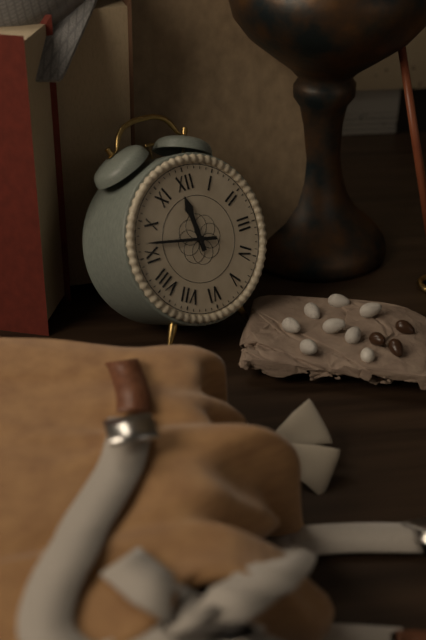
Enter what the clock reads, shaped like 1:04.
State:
11:47
